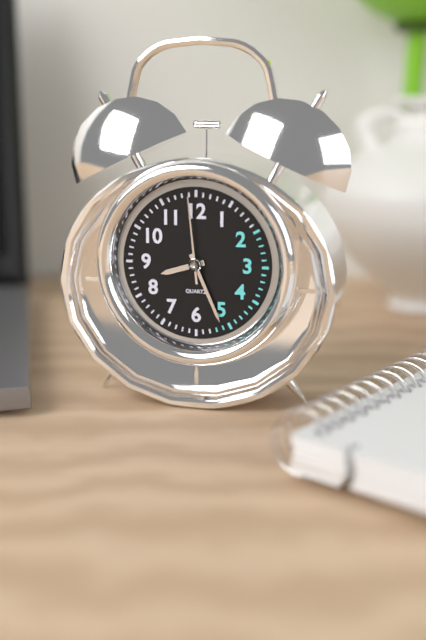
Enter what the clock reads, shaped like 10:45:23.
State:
8:26:59
